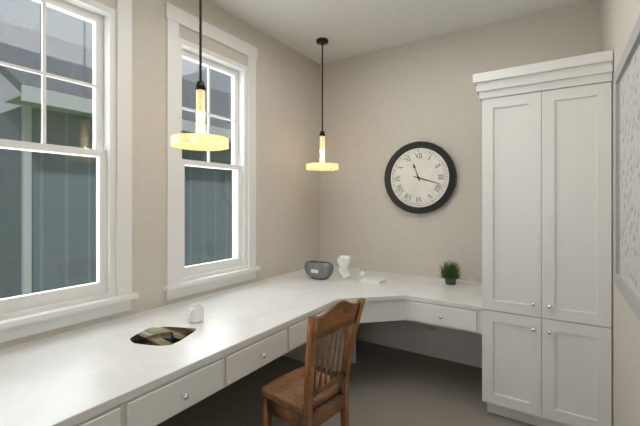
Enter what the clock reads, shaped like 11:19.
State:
11:18
